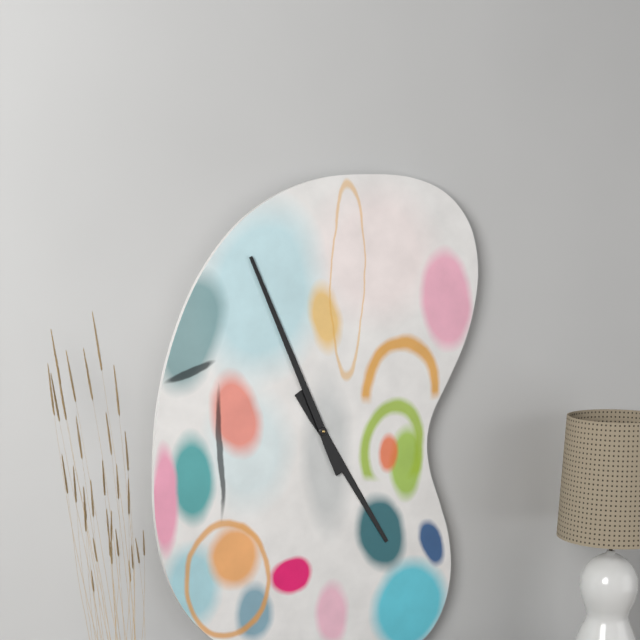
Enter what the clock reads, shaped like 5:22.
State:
4:56
